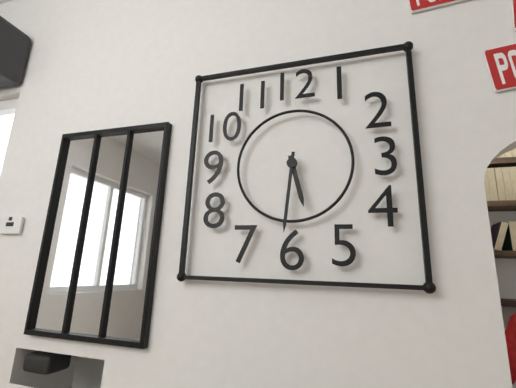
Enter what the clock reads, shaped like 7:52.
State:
5:31
